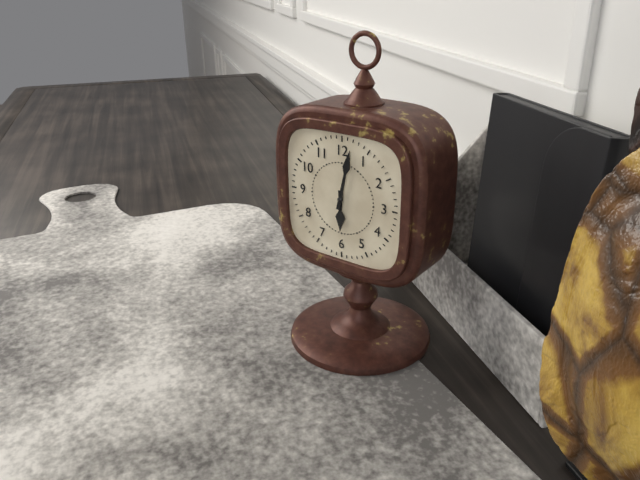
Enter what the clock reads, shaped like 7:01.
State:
6:02
